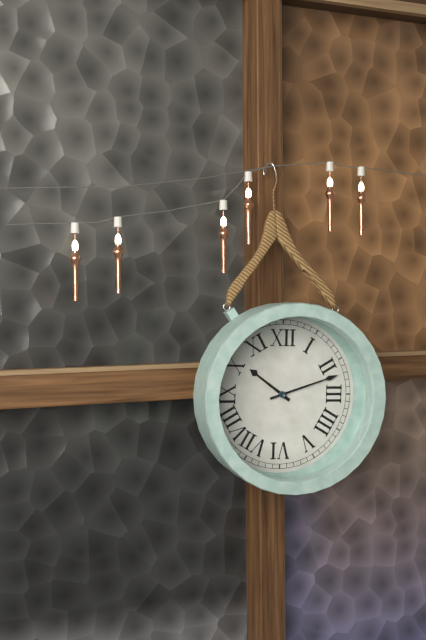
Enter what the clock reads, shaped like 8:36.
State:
10:12
